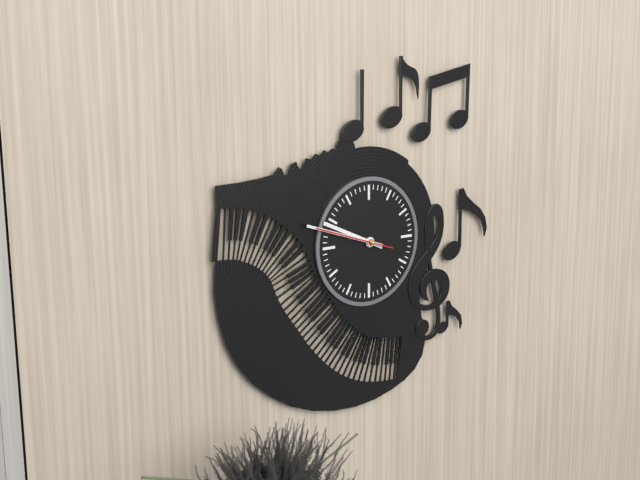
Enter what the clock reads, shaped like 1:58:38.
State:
9:48:48
